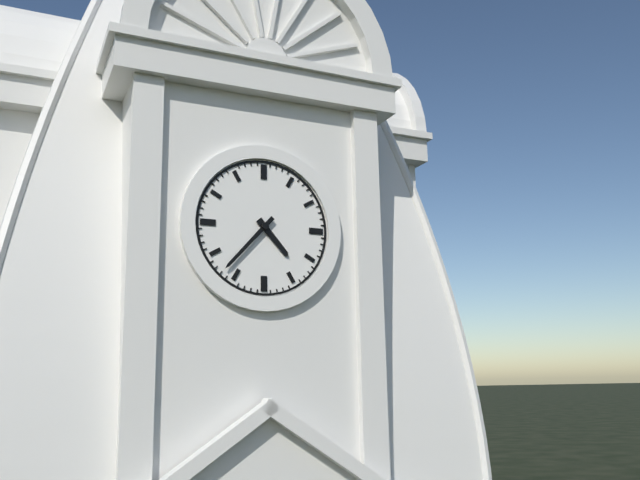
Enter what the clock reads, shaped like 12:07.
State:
4:37
